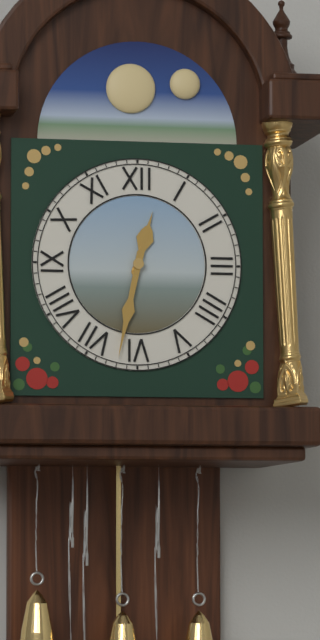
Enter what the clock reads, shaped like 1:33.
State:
12:32
